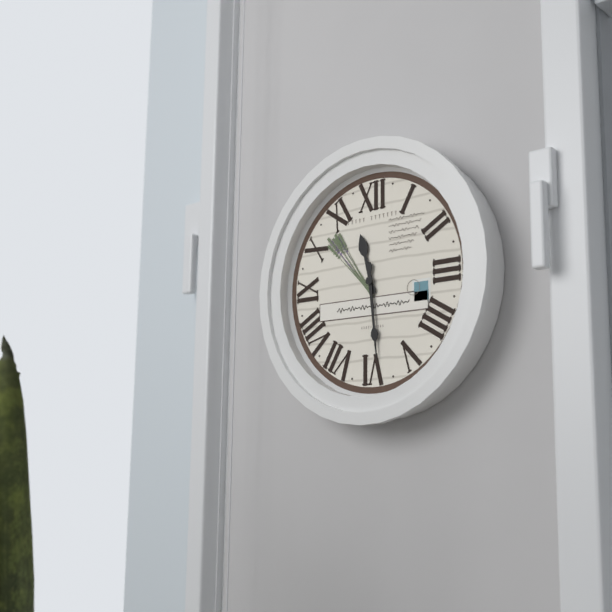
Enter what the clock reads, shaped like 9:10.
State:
11:29
